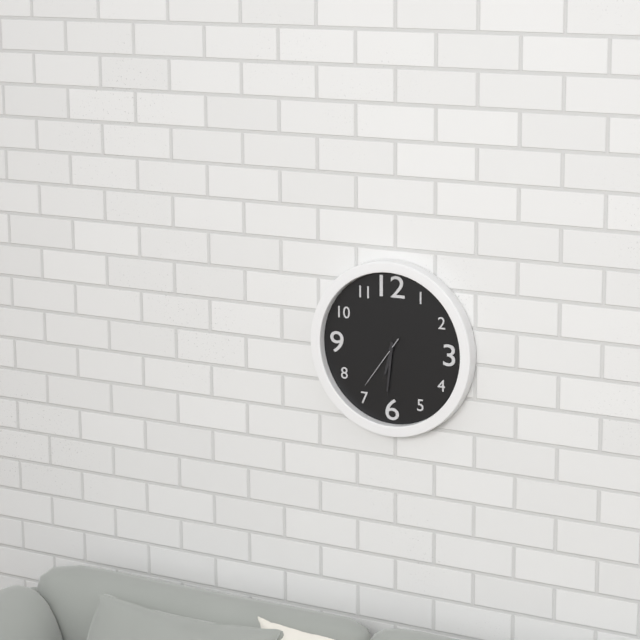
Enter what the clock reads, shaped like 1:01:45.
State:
6:31:36
